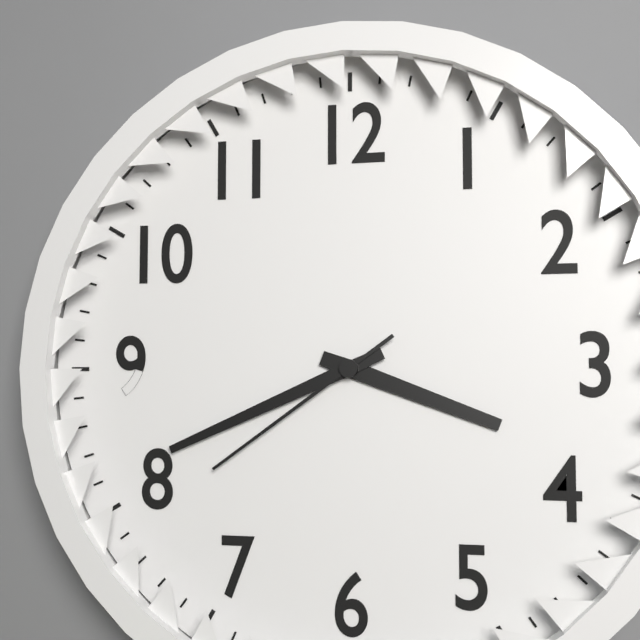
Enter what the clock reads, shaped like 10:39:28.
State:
3:41:39
